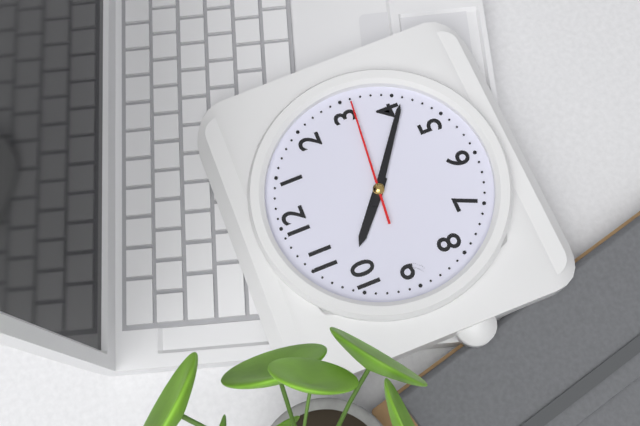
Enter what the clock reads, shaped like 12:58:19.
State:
10:21:16
